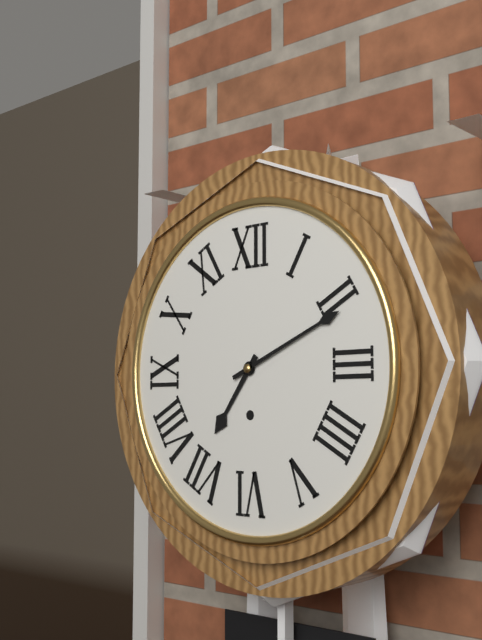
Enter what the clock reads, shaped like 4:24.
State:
7:11
